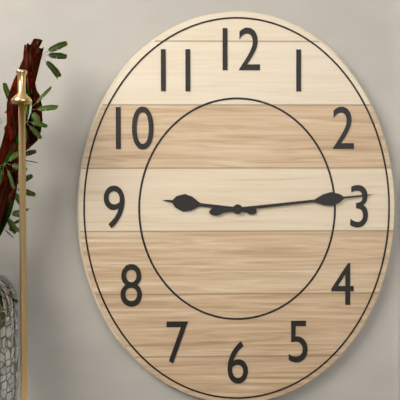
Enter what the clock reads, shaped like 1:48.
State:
9:14
